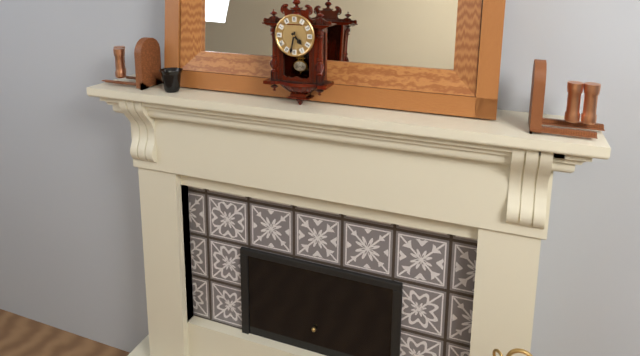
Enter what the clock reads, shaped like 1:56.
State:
4:32
